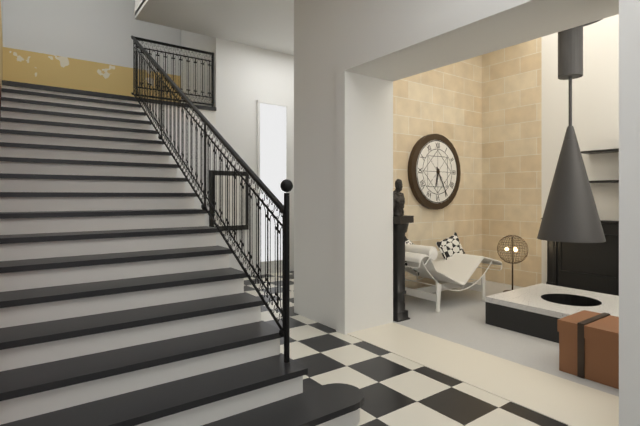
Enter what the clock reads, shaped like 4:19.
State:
6:25
